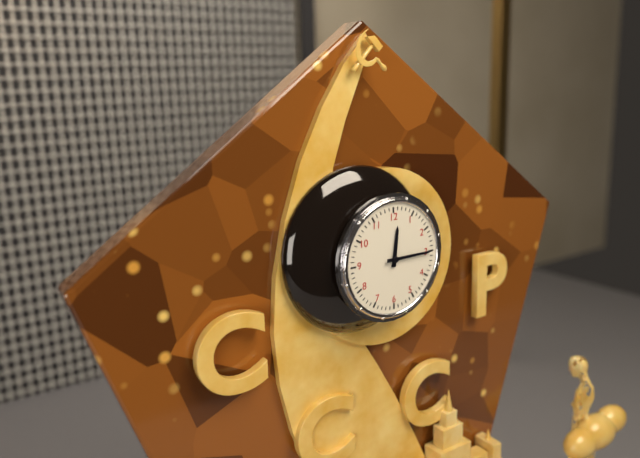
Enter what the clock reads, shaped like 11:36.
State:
12:15
